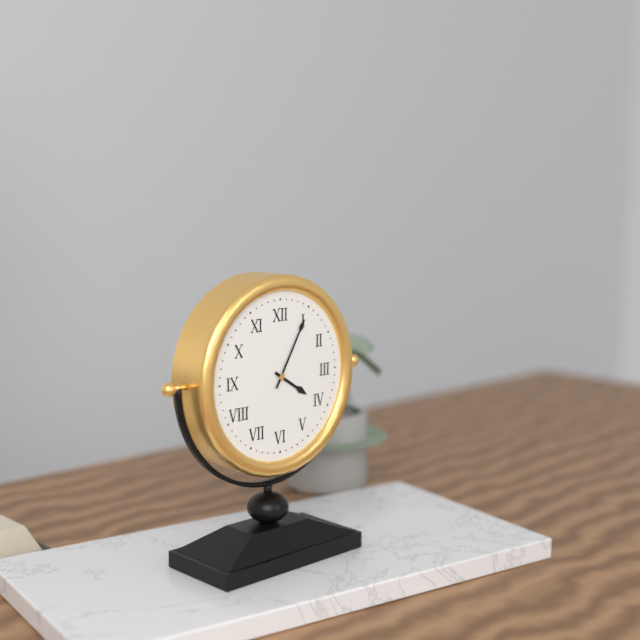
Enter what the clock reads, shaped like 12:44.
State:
4:05
